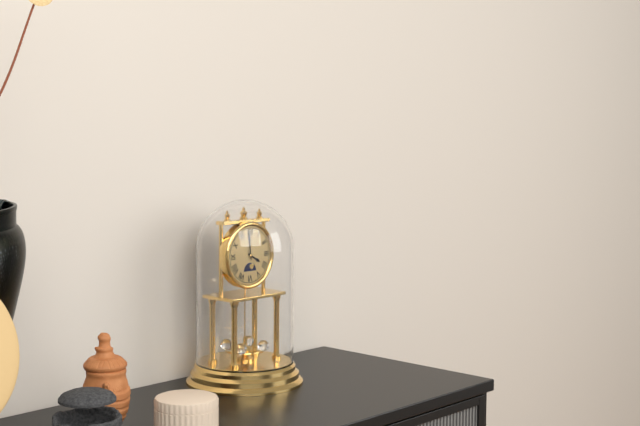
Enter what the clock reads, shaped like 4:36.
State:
3:59
